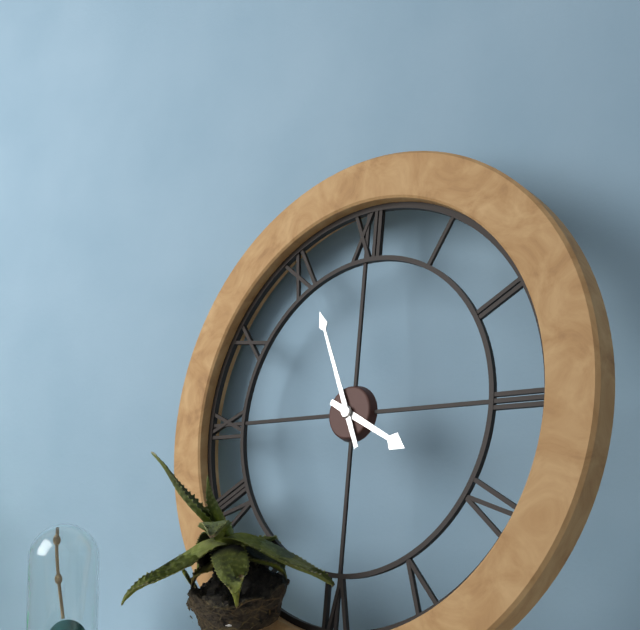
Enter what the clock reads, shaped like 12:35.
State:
3:56
